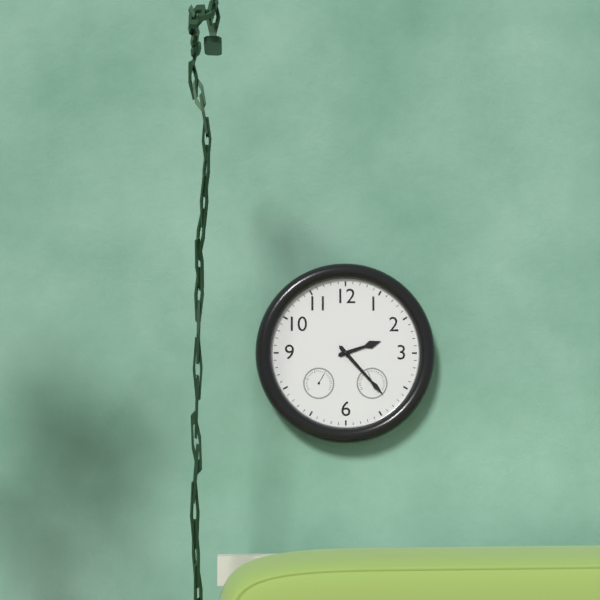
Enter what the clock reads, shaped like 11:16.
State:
2:23
